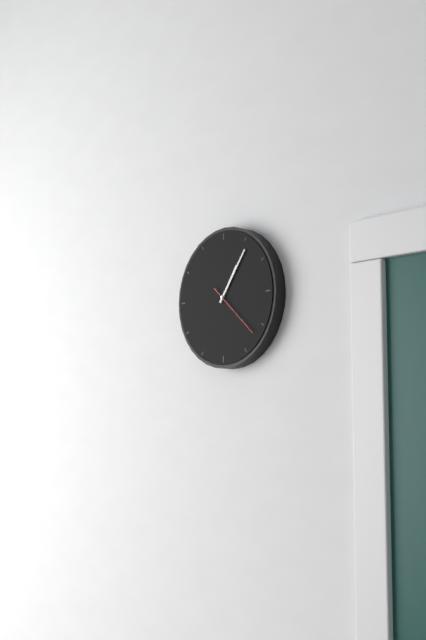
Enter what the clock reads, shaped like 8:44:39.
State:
1:06:22
